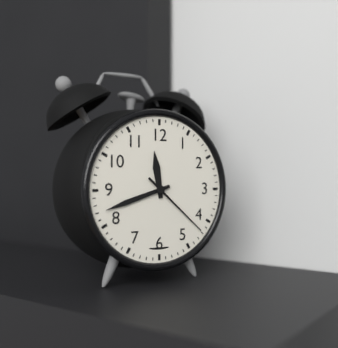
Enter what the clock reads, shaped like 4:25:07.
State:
11:42:22
